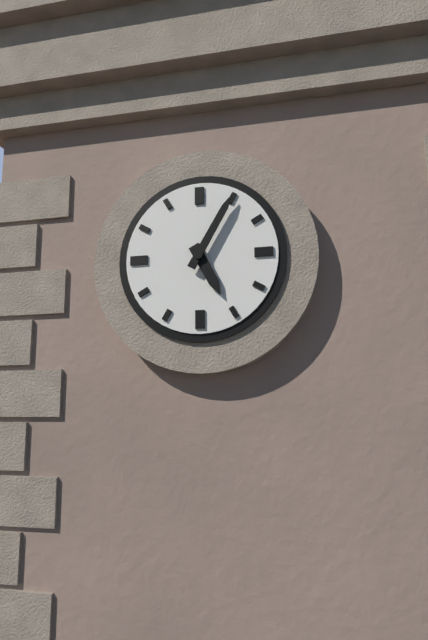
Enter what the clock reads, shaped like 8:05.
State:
5:05
